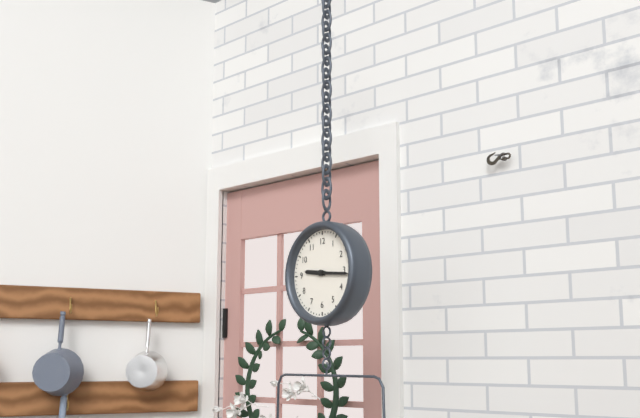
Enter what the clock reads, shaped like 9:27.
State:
9:16
